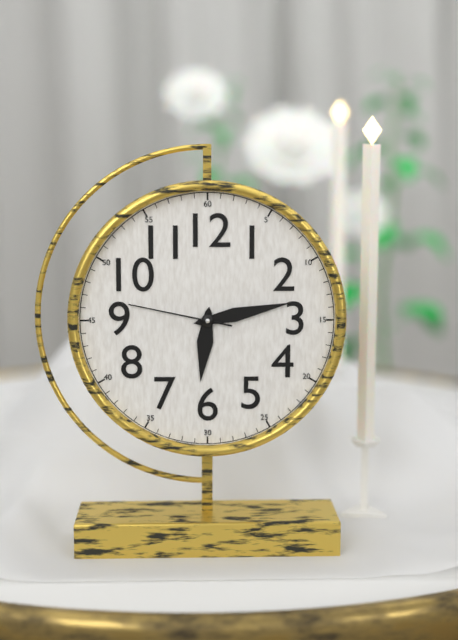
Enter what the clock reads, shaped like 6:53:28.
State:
6:13:47
